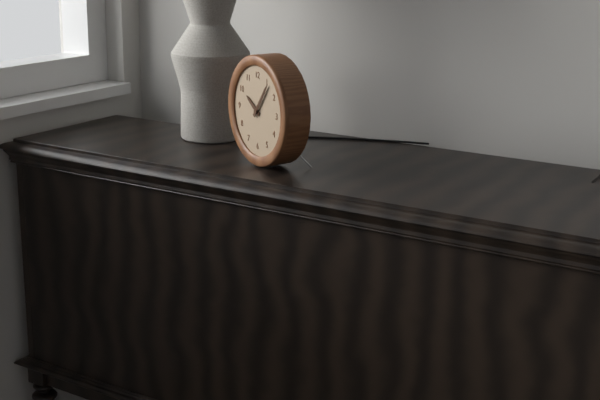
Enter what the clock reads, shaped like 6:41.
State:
10:06
